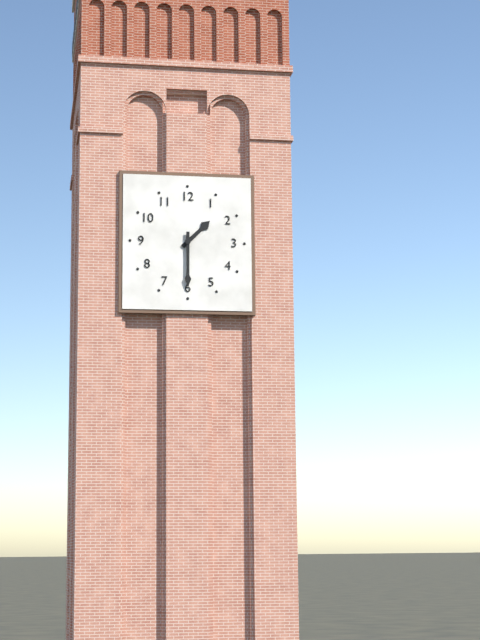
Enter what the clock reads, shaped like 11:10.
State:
1:30
